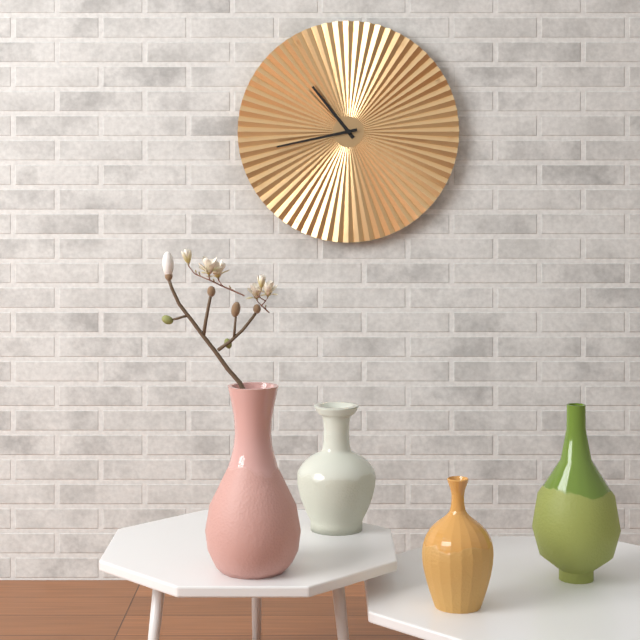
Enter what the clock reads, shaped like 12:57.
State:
10:43
